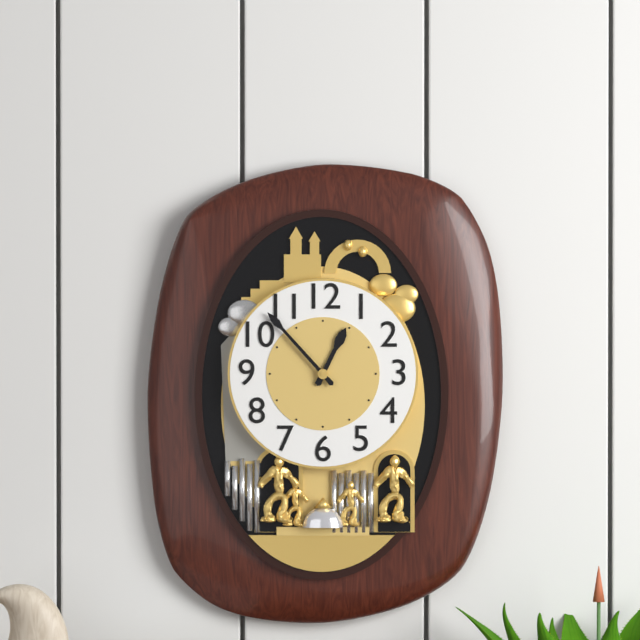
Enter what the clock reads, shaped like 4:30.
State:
12:53
